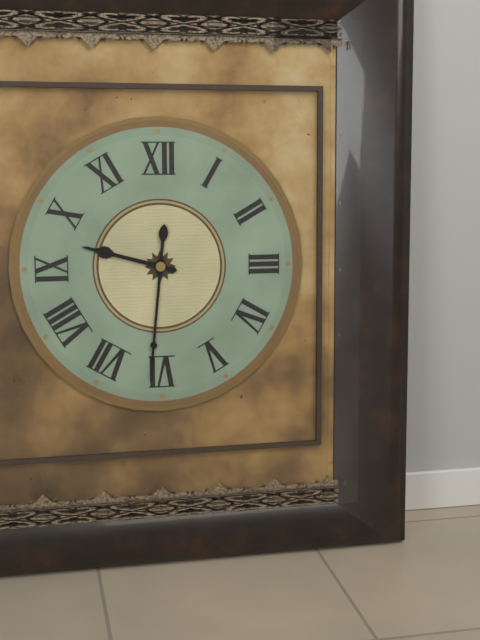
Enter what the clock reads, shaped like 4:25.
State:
9:31
